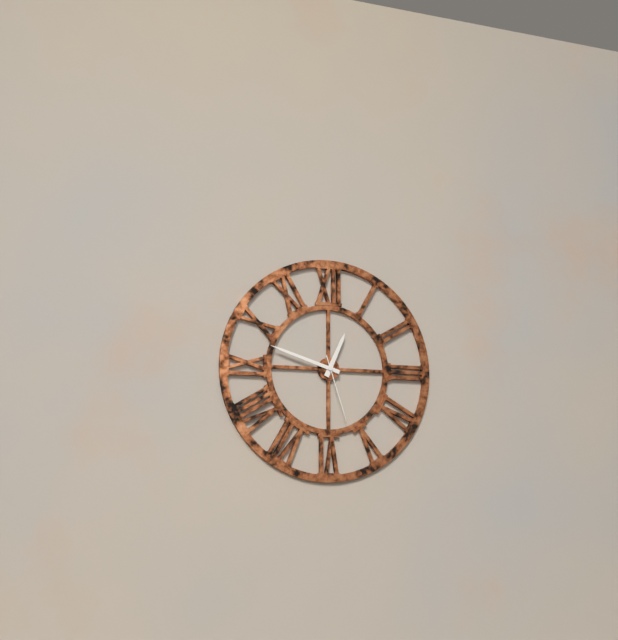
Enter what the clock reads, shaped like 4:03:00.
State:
12:48:27
